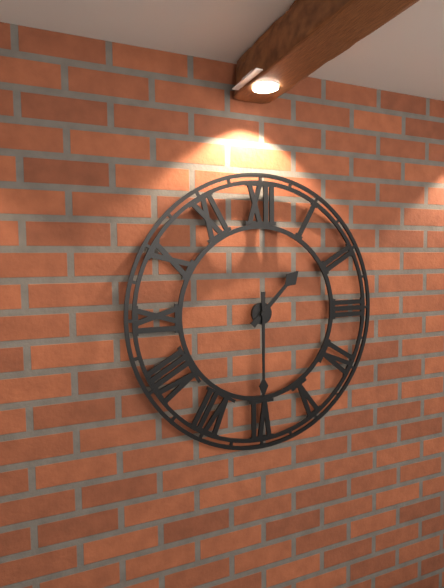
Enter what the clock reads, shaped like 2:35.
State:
1:30
